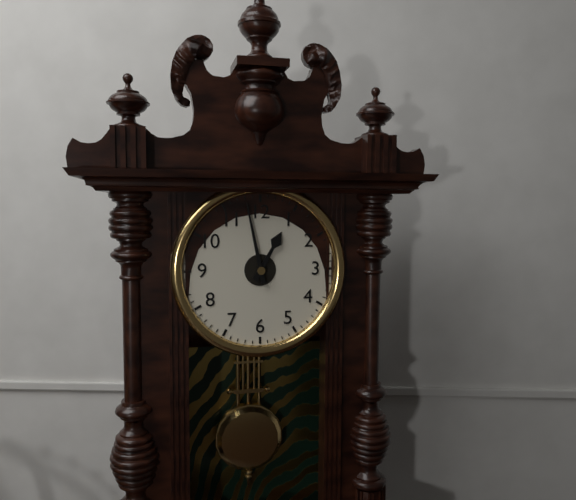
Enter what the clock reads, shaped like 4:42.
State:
12:58
